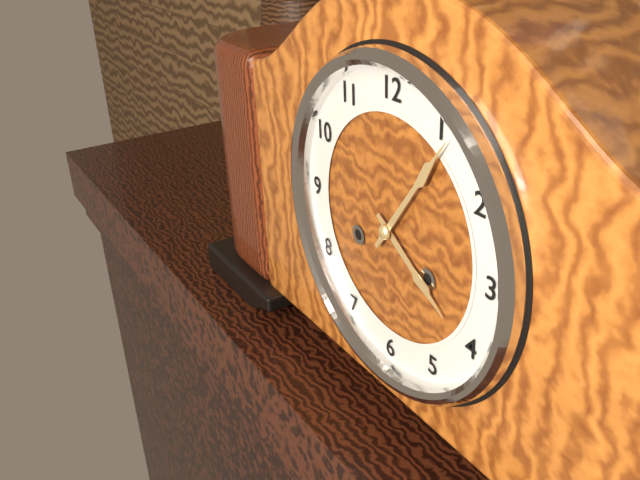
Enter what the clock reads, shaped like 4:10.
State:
4:06
